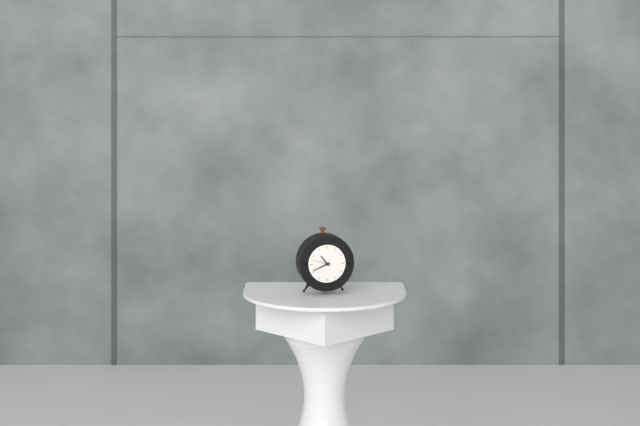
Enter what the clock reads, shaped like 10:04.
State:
10:41
